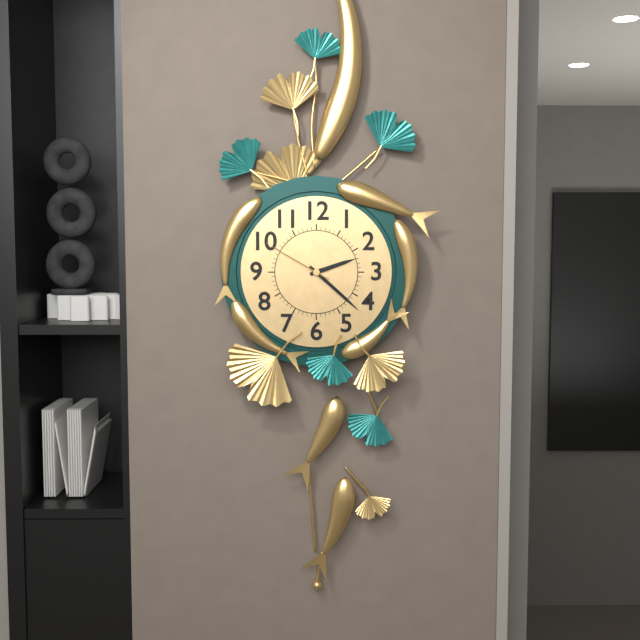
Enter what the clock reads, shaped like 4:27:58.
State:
2:22:50
